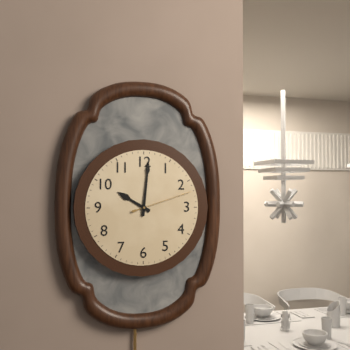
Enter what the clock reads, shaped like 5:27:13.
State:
10:01:12
